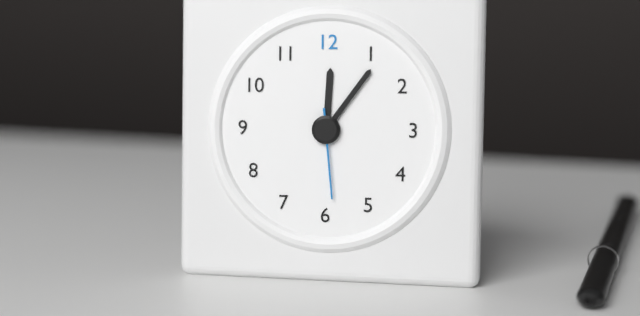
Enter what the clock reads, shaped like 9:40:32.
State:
12:06:29
